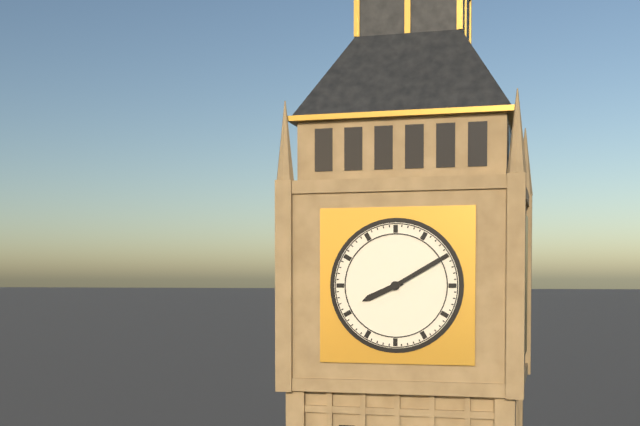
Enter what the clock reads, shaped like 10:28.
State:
8:10
